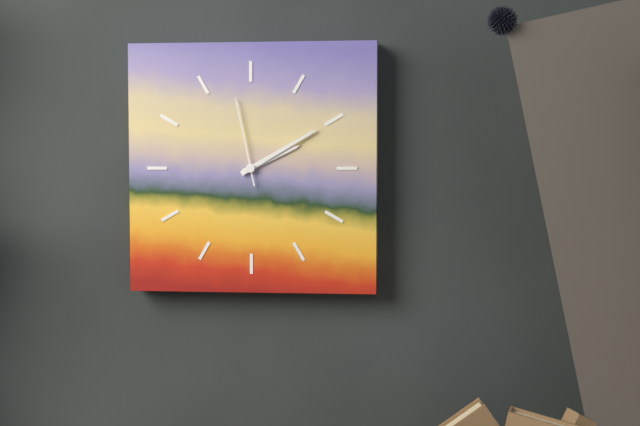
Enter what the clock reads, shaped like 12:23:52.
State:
2:10:58
